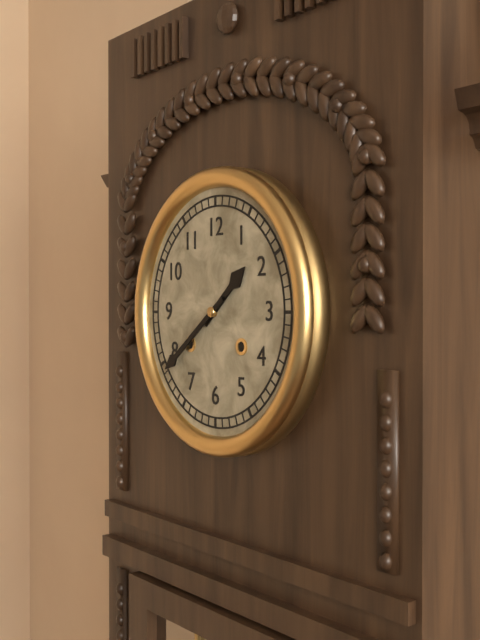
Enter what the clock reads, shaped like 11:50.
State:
1:39
